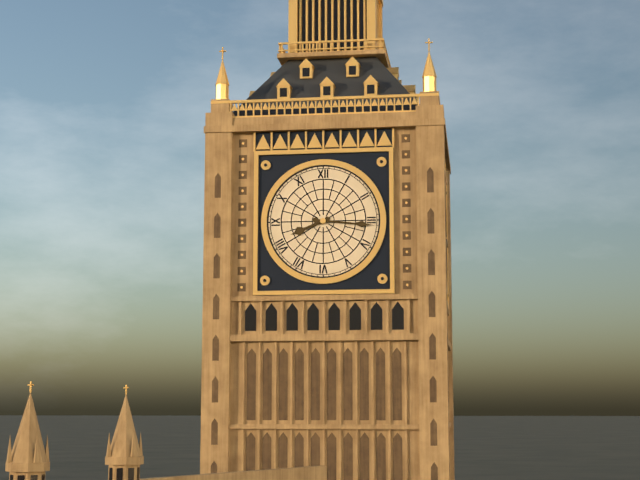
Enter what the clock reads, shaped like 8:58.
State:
8:16
